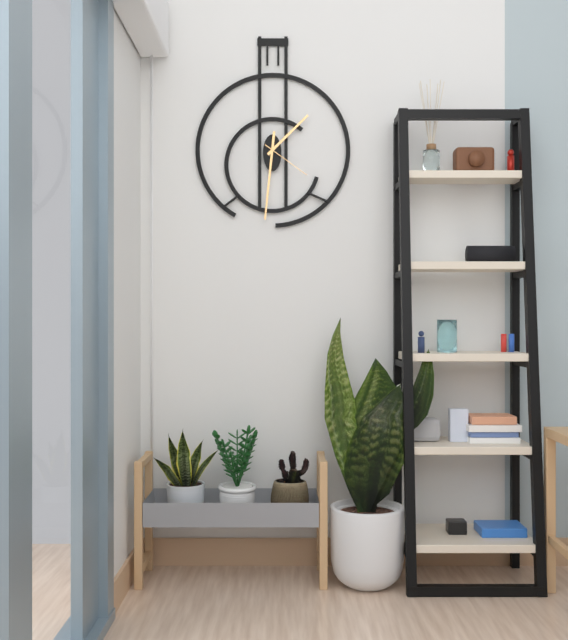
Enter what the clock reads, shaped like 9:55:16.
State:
1:31:21
